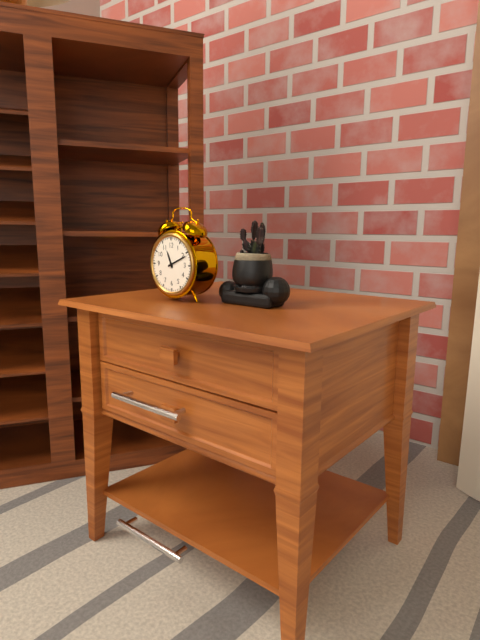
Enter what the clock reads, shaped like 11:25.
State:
11:11
